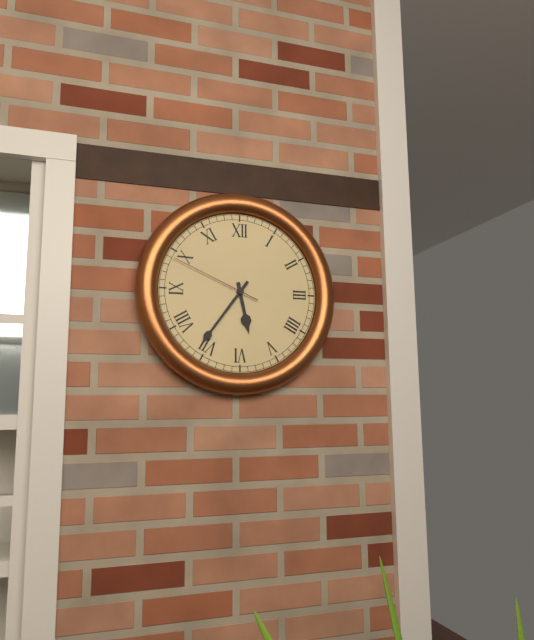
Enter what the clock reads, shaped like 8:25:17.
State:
5:36:49
